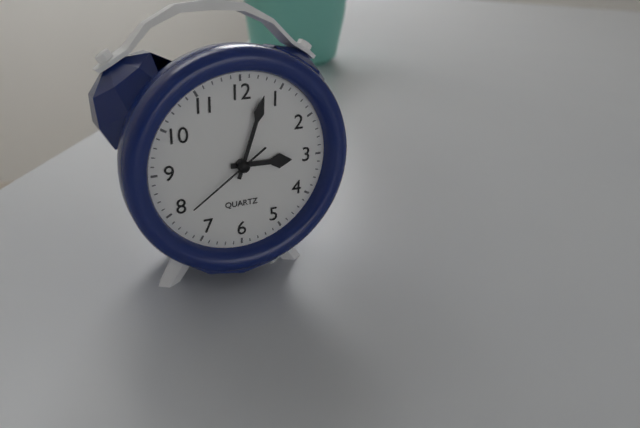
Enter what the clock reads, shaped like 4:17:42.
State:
3:03:39
